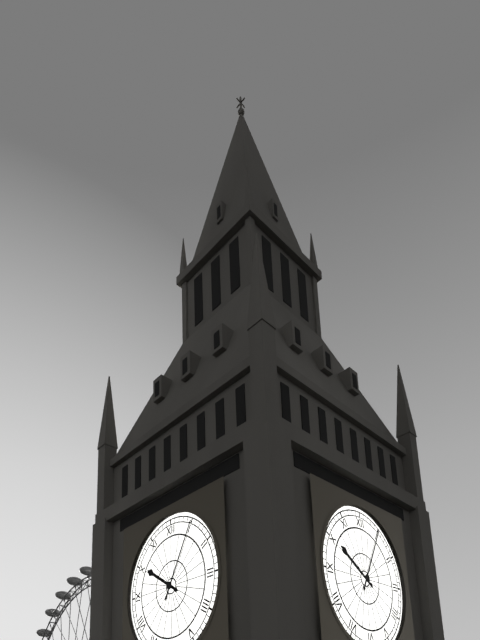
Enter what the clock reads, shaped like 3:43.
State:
10:05
